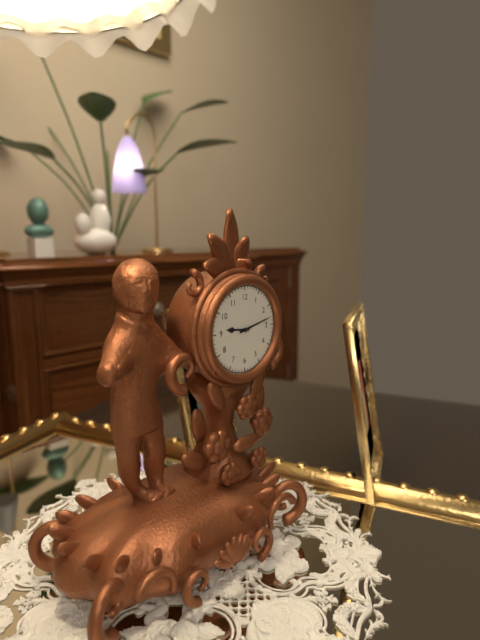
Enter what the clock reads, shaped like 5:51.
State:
9:13
